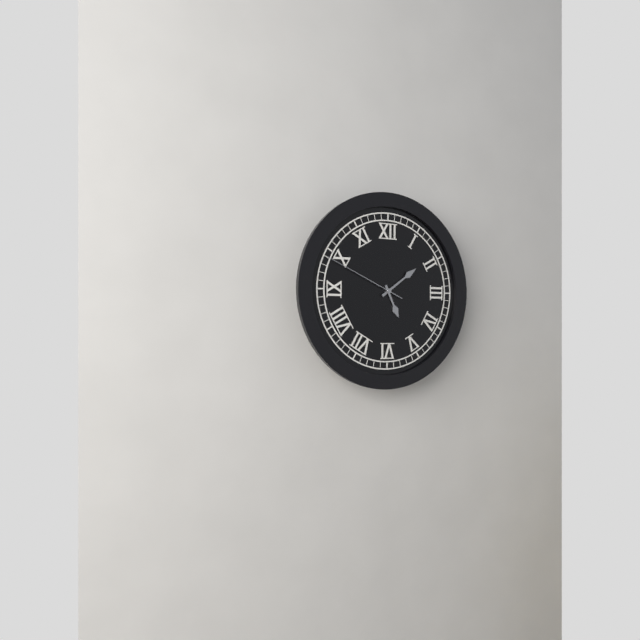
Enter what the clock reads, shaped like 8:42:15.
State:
5:09:49
